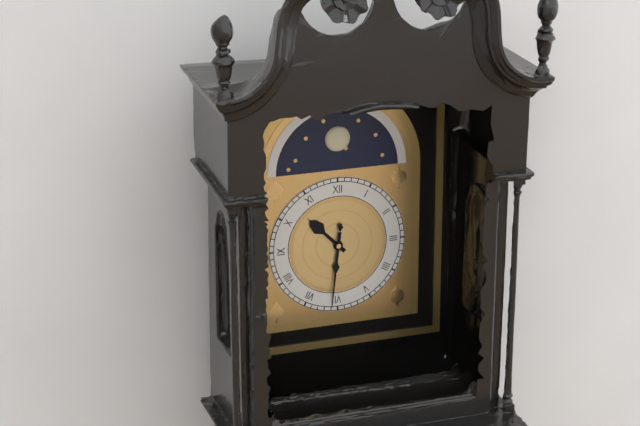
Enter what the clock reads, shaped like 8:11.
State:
10:31
